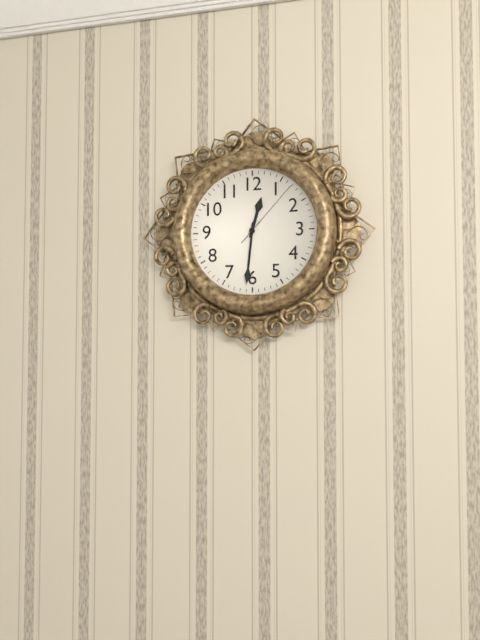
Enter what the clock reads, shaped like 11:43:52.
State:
12:31:07
